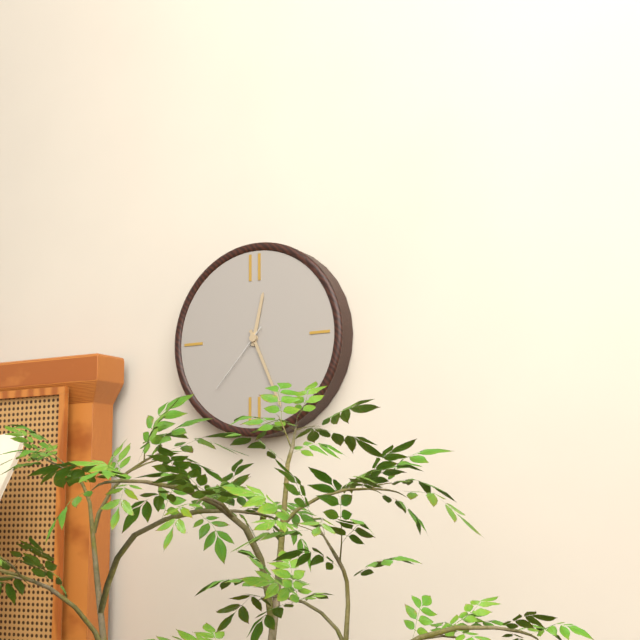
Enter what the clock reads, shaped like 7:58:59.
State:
12:26:37
